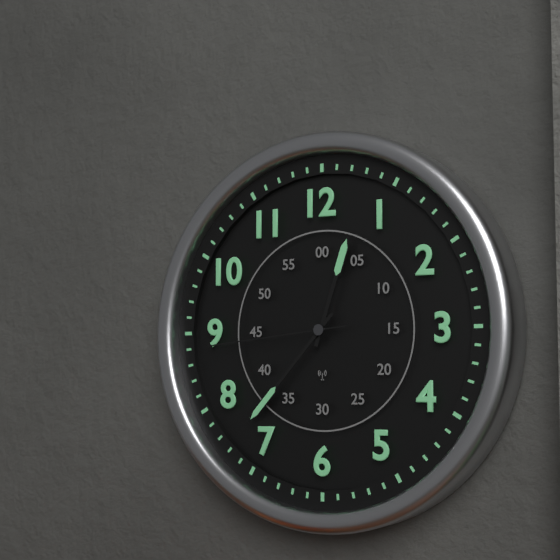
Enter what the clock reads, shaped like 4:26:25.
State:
12:37:44
